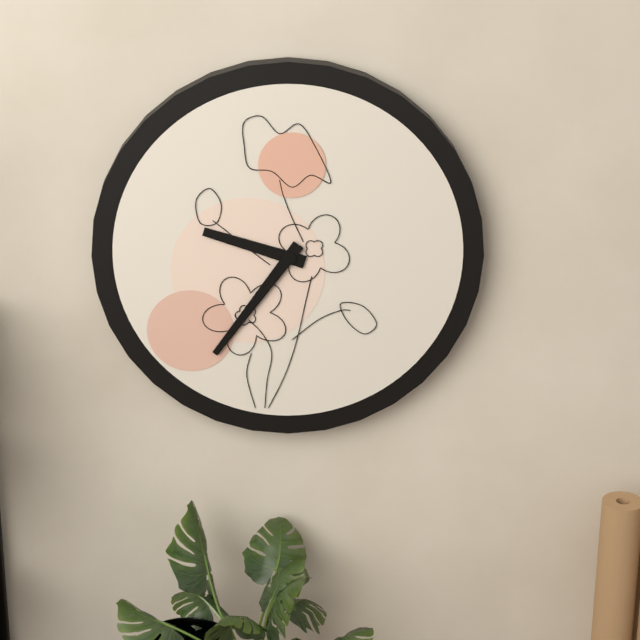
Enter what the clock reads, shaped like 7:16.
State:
9:36
